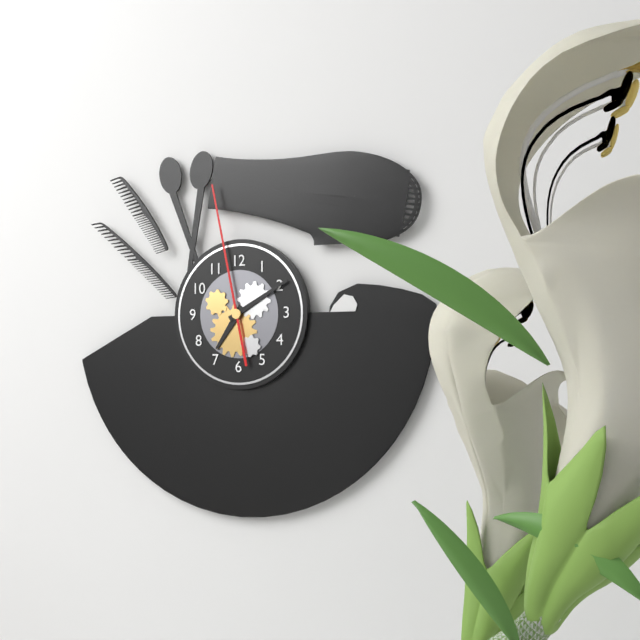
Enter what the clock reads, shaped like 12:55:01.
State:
7:10:58
